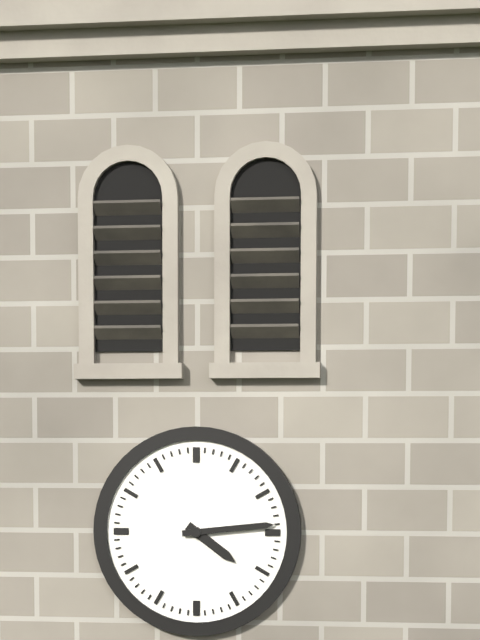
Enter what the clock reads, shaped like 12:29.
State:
4:14
